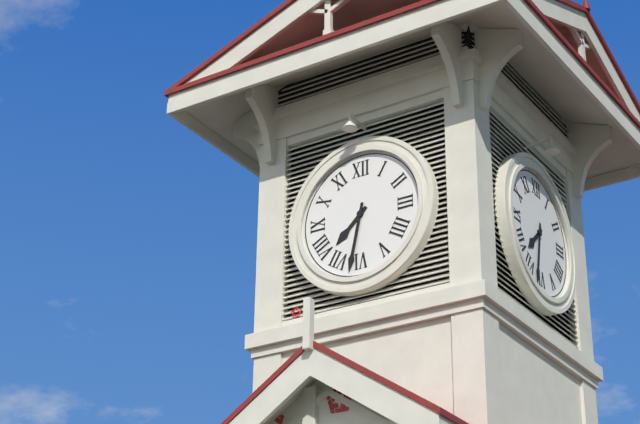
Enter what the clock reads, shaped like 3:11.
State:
7:32
